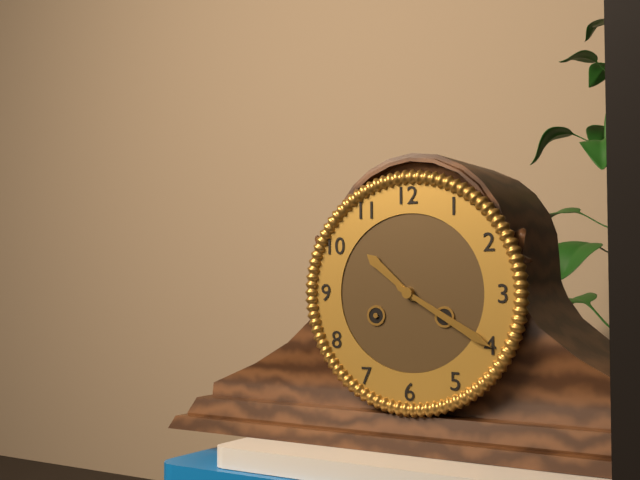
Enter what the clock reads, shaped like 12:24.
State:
10:20
